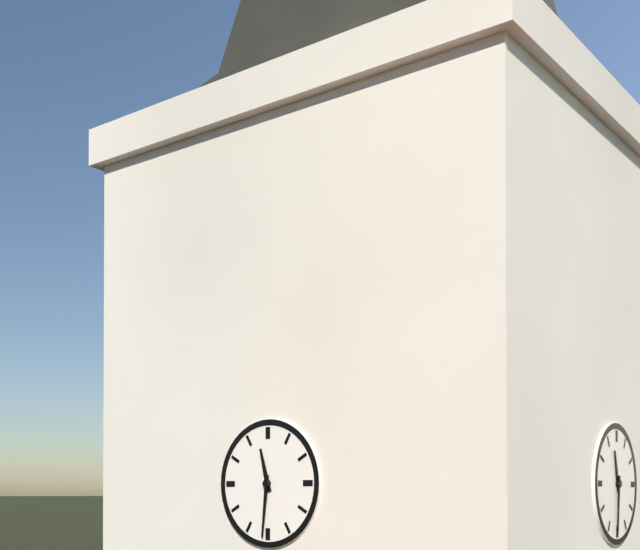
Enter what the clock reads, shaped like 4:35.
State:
11:31
